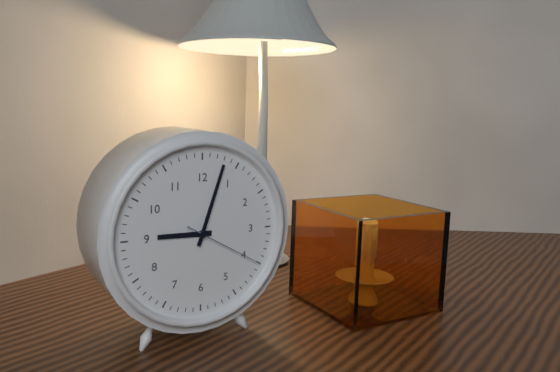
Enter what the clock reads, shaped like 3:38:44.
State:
9:03:20
